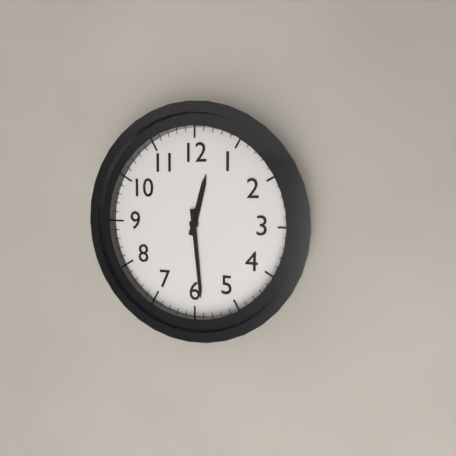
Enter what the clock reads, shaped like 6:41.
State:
12:29
